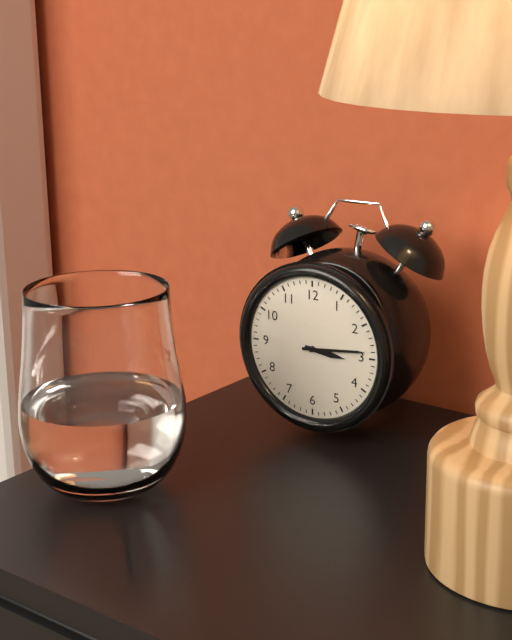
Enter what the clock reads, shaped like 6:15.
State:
3:14
